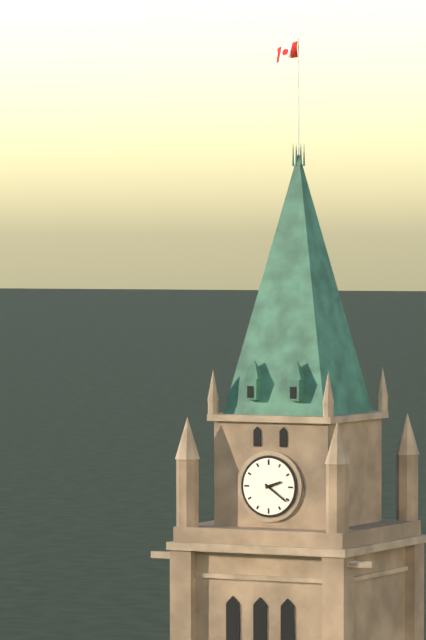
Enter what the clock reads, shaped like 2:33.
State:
2:21
